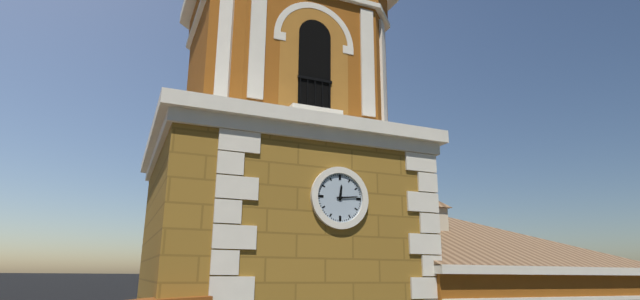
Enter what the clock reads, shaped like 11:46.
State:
12:14
